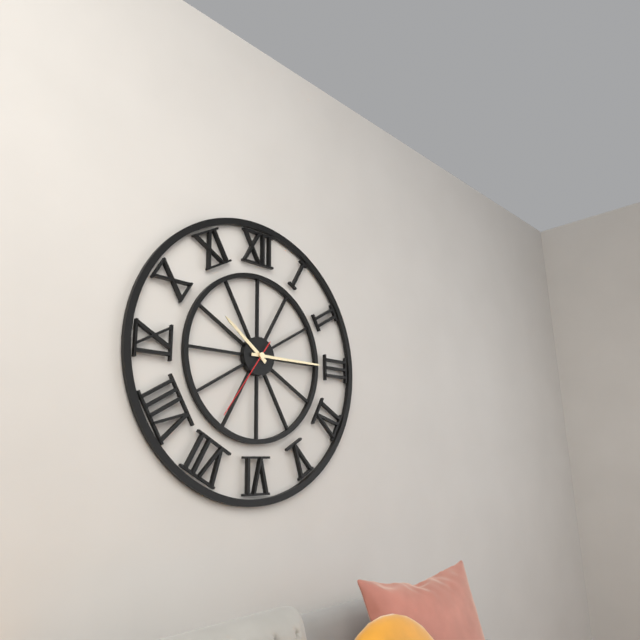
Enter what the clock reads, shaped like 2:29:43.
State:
10:15:36
